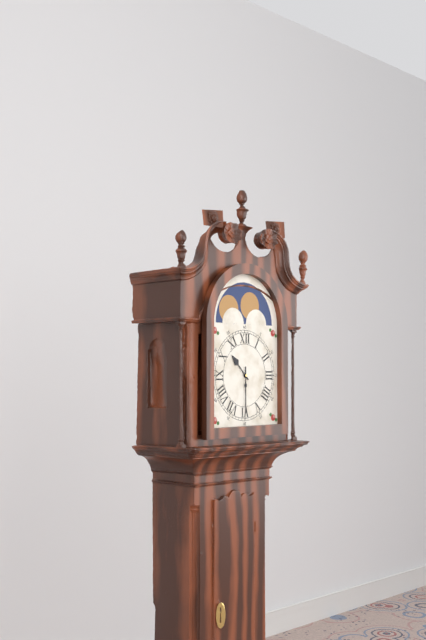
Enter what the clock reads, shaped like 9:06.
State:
10:30
